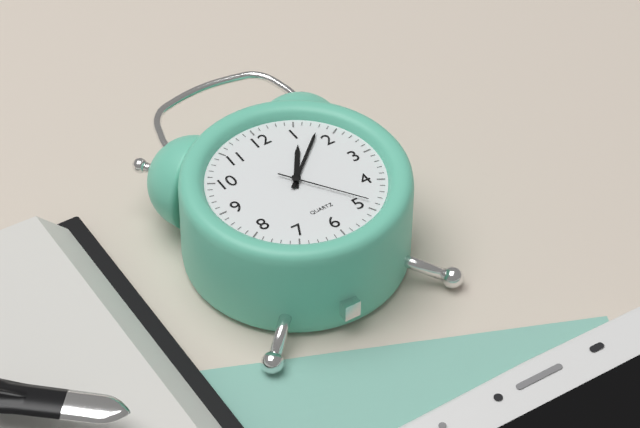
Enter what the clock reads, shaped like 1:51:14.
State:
1:08:24
